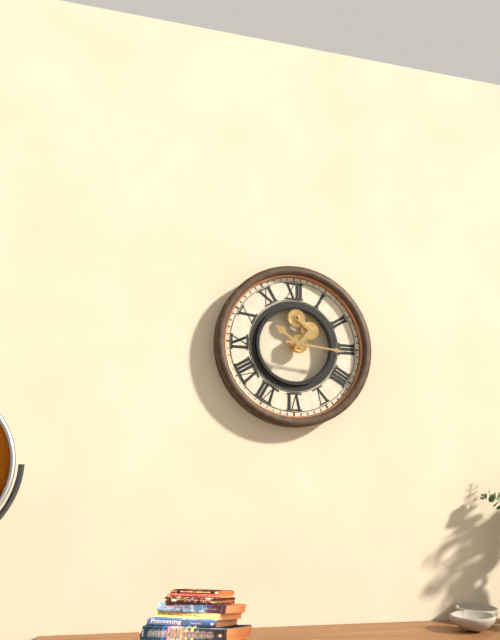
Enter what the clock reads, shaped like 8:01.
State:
10:16
